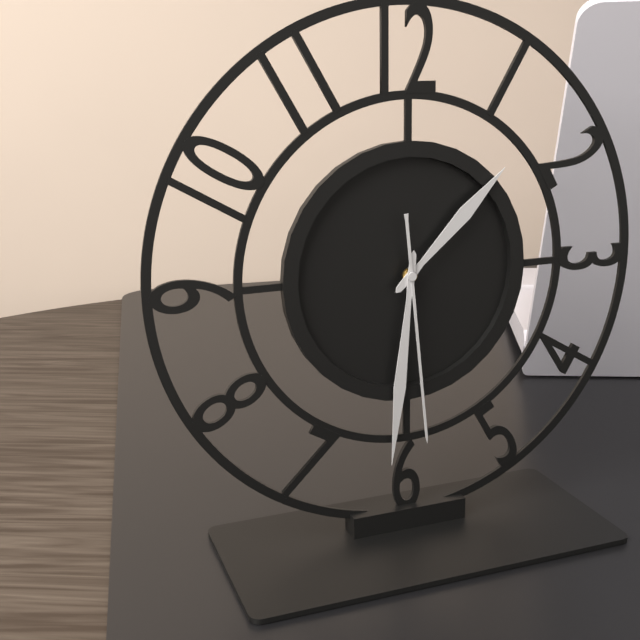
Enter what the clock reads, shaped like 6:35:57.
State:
1:31:29
